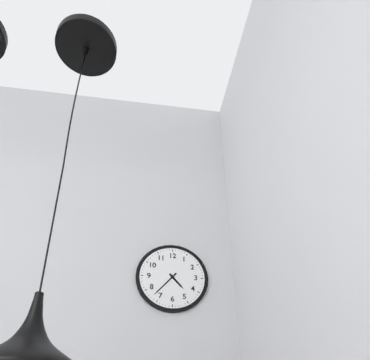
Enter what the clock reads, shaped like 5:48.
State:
4:37
